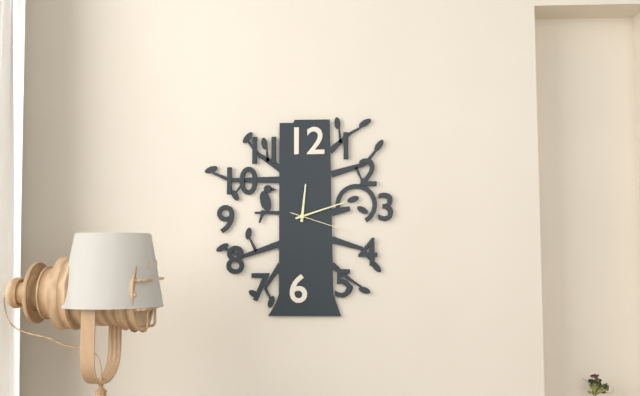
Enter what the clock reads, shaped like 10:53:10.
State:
12:12:18
